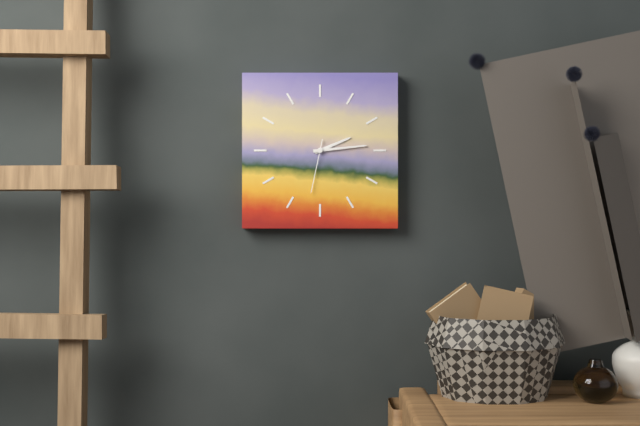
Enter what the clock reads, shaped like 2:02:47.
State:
2:14:32
